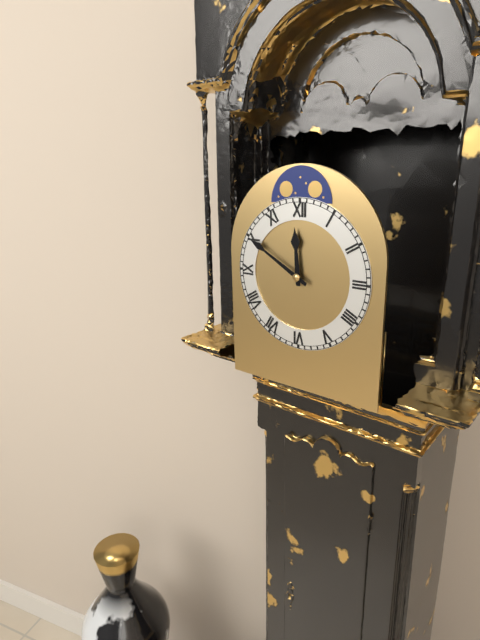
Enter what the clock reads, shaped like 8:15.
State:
11:50
